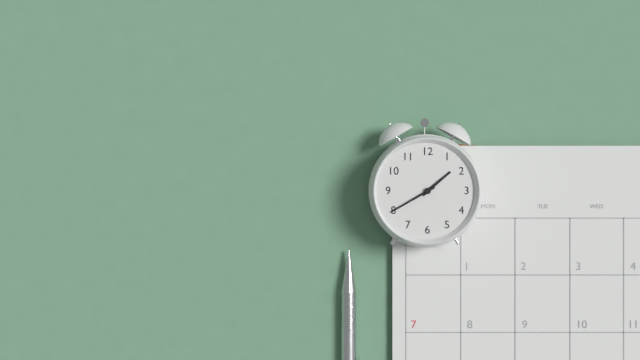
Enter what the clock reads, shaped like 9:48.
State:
1:40
